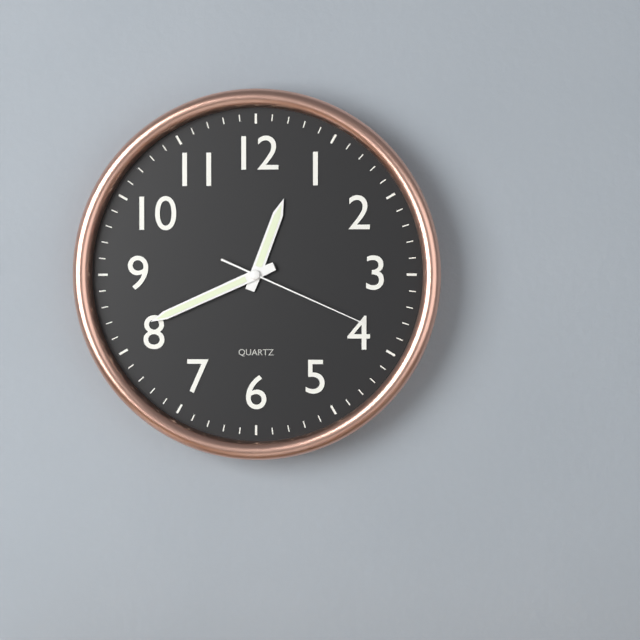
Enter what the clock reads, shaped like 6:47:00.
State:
12:41:19
